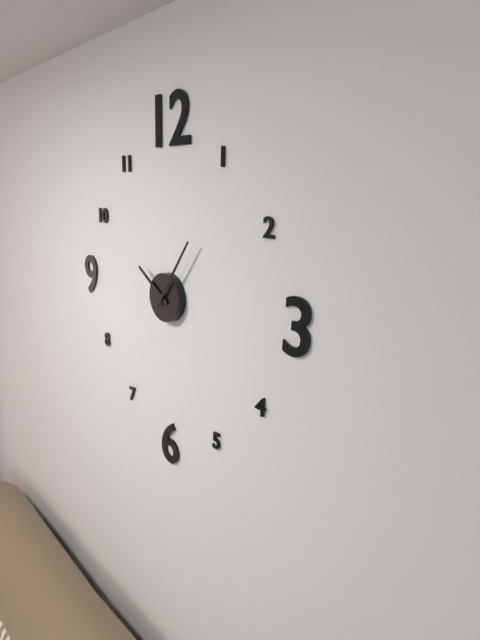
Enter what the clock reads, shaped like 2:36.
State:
10:06
